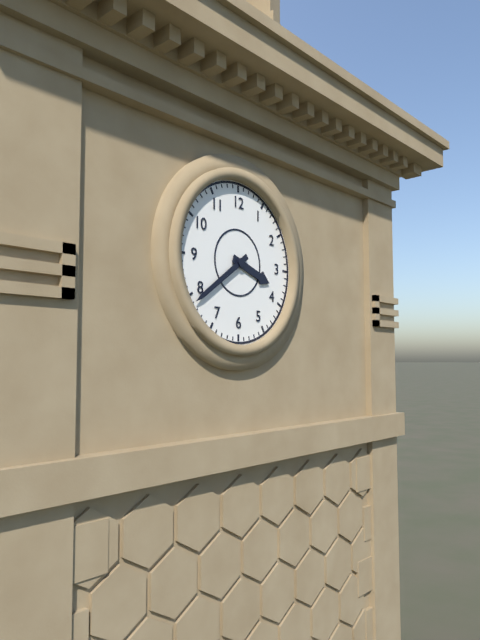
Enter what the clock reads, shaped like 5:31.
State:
3:39
